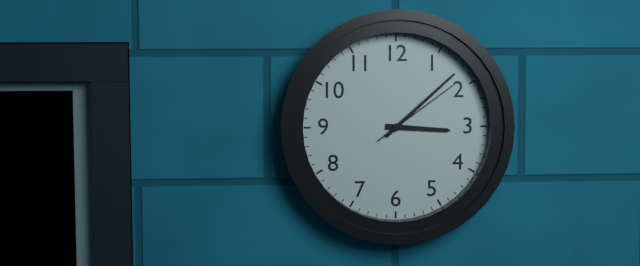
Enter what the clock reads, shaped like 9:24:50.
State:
3:08:09
